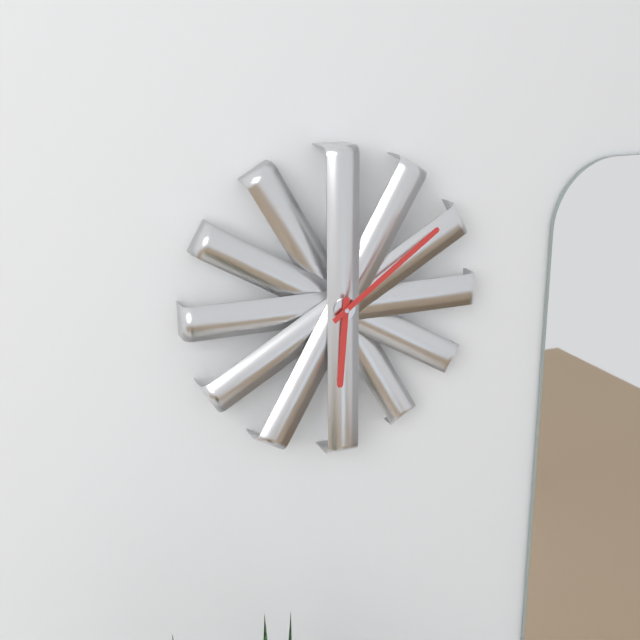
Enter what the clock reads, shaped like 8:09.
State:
6:09
